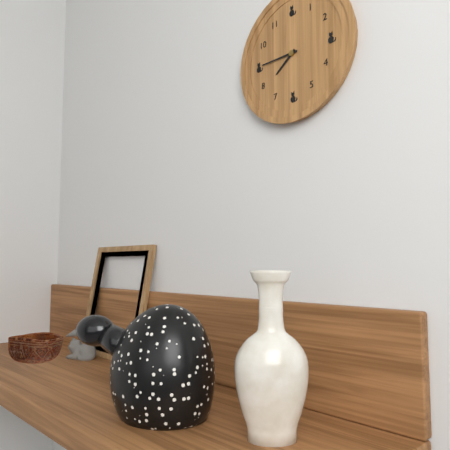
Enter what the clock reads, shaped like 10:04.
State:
7:45
